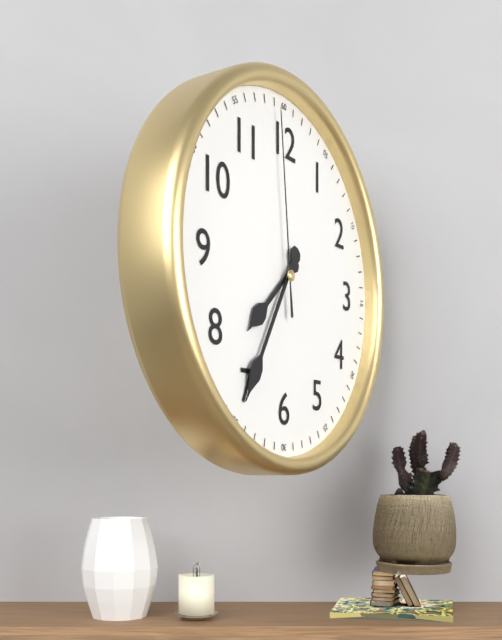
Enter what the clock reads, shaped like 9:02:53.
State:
7:35:59
